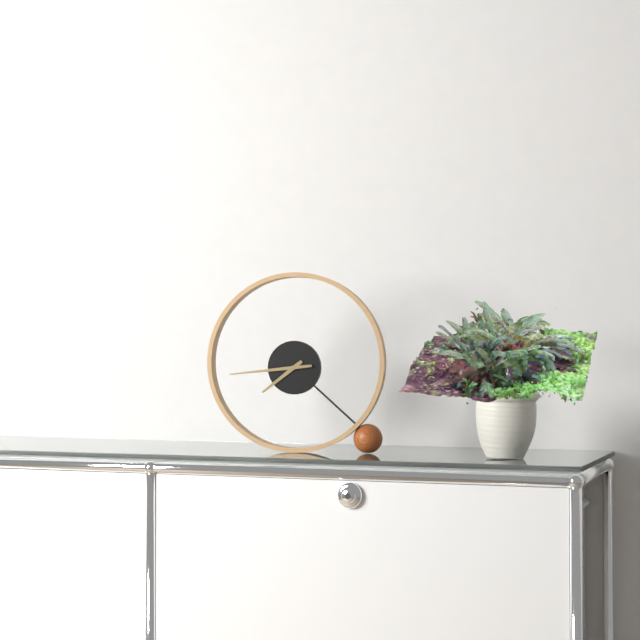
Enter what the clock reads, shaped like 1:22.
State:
7:44
